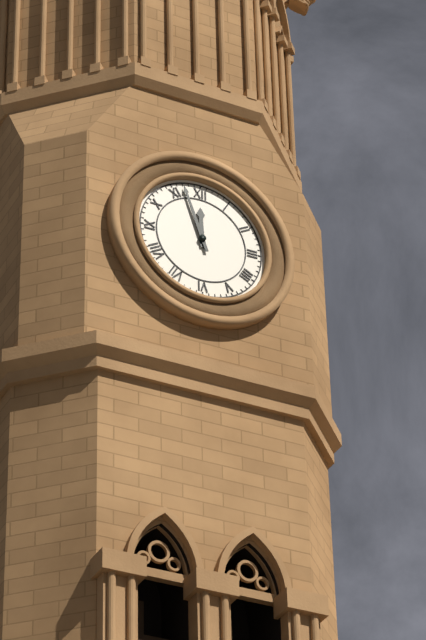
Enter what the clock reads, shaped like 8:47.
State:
11:57
